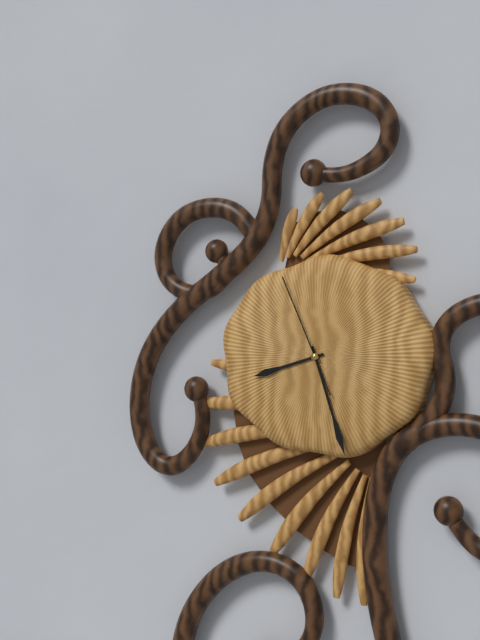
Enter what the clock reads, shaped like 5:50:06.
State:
8:27:56
